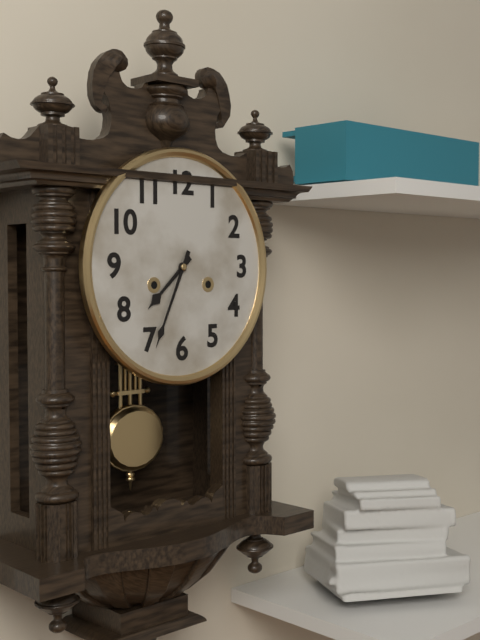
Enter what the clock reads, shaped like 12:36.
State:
7:34
